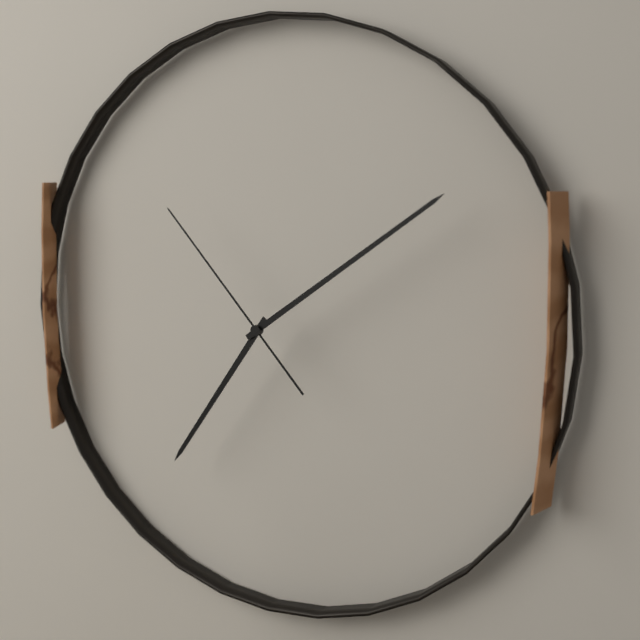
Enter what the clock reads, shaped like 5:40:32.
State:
7:09:53
